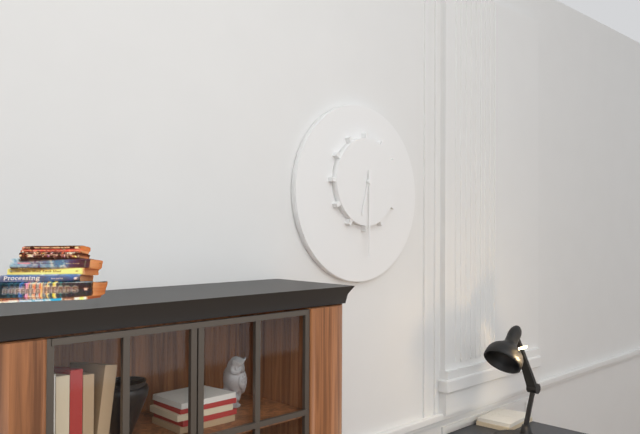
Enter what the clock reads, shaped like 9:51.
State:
6:30
